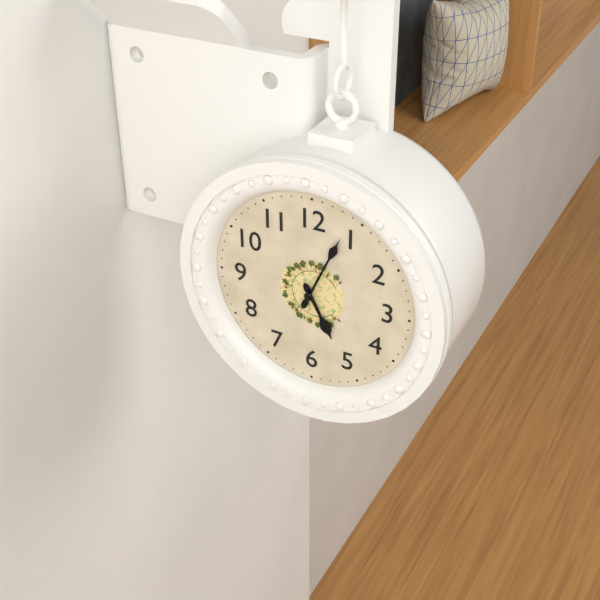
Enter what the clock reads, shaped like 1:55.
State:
5:04
